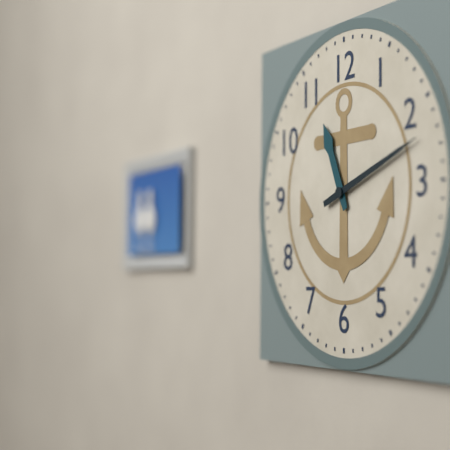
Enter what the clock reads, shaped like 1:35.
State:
11:12
